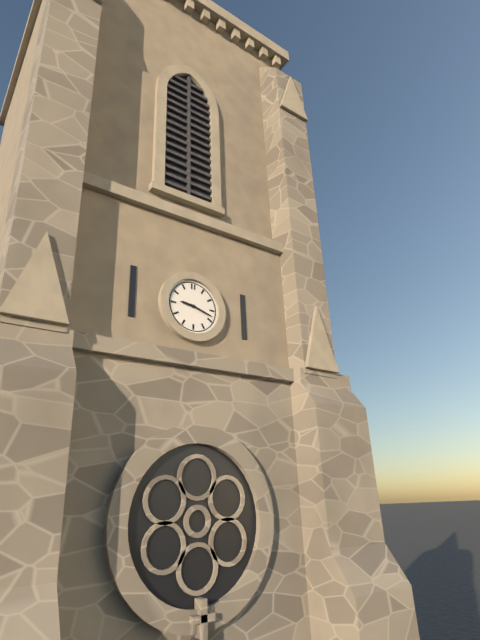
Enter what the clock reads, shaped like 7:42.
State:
9:18
